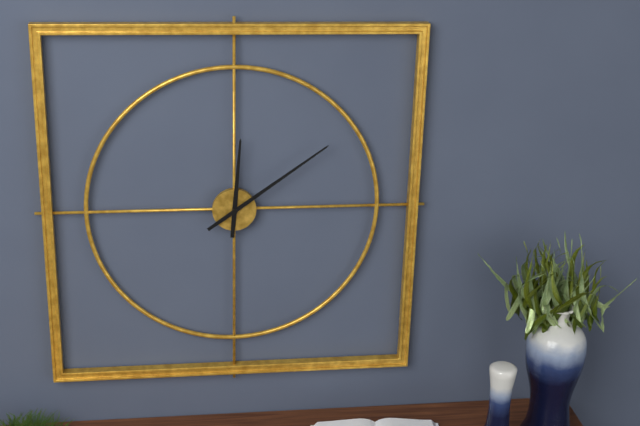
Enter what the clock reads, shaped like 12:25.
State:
12:09
